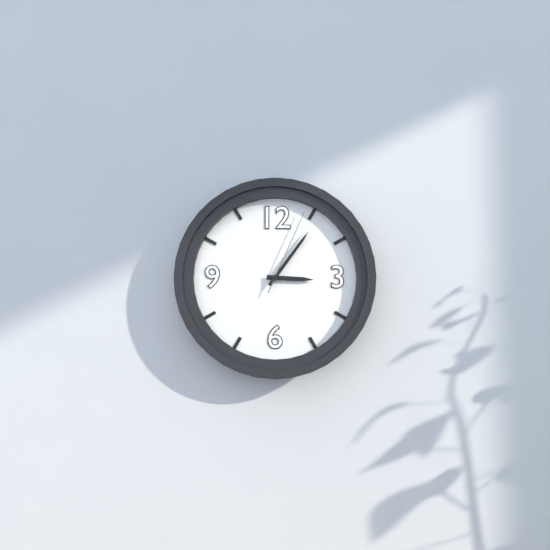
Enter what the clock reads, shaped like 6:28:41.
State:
3:06:04
